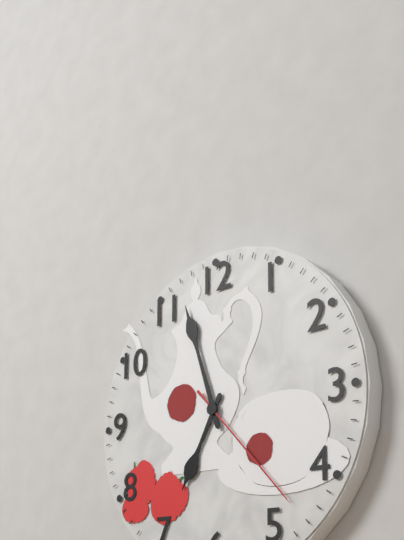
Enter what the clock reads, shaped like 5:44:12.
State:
6:57:23
